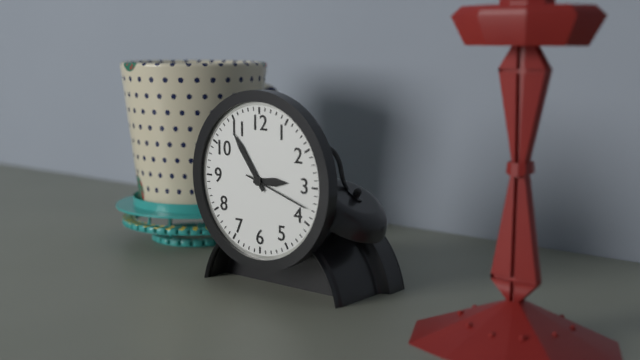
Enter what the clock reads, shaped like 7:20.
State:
2:54
